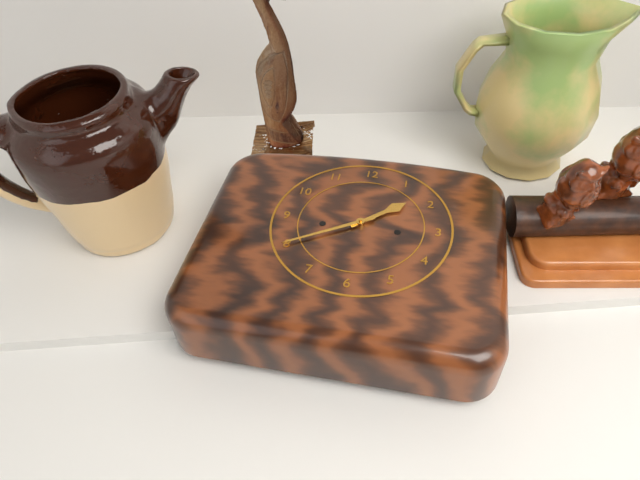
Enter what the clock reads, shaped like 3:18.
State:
1:40
